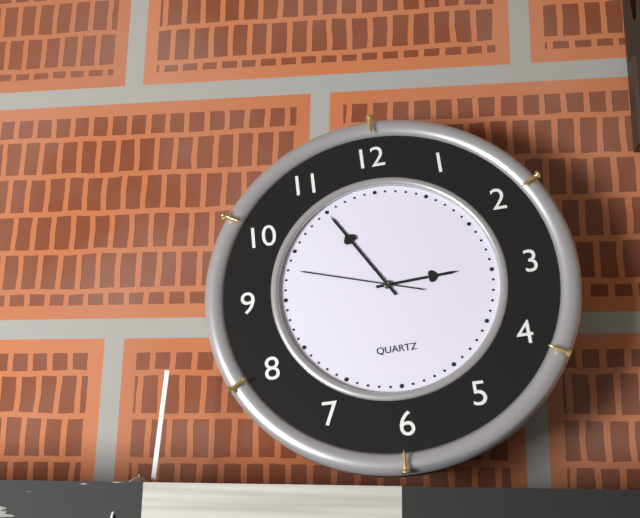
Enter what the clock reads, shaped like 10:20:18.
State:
2:55:48
